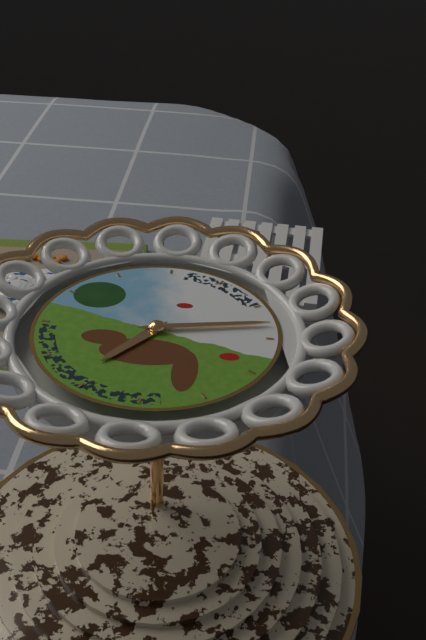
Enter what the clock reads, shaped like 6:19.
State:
7:13
